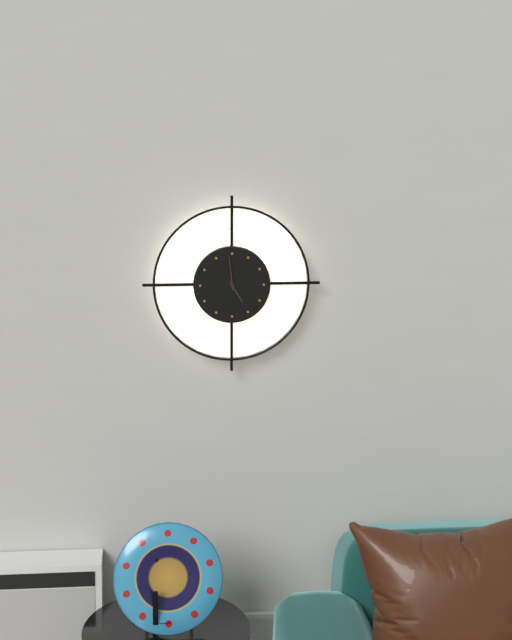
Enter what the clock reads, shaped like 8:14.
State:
4:59
